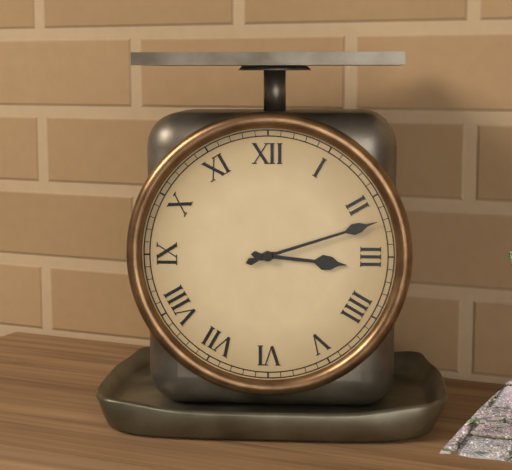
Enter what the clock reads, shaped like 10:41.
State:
3:12
